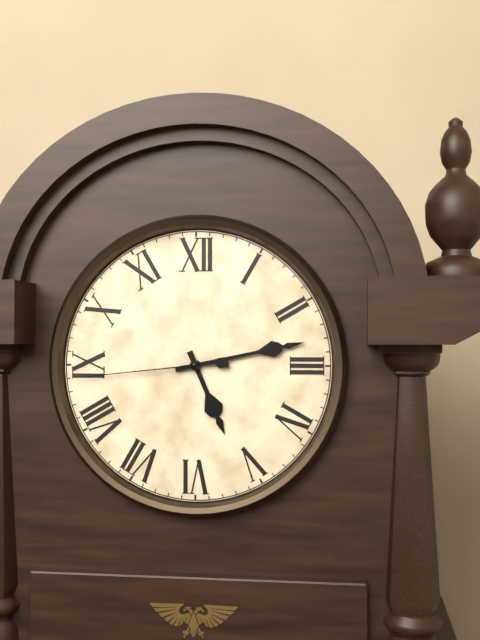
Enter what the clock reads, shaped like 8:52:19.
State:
5:13:44
